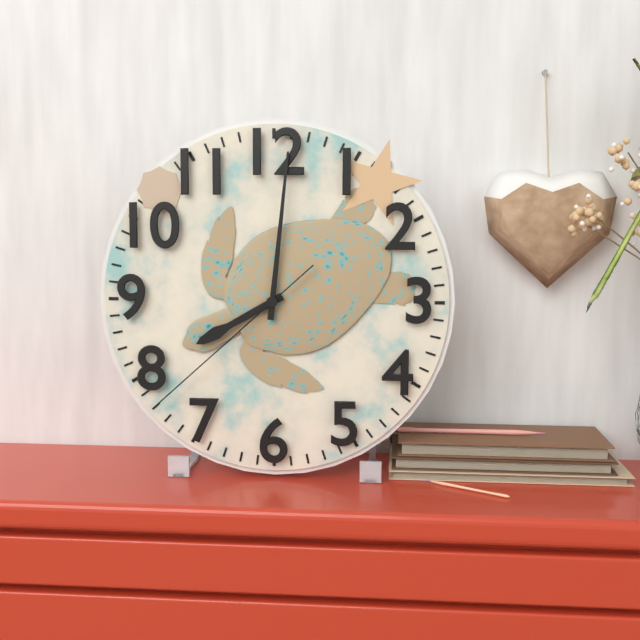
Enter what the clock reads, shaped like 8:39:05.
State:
8:01:38
